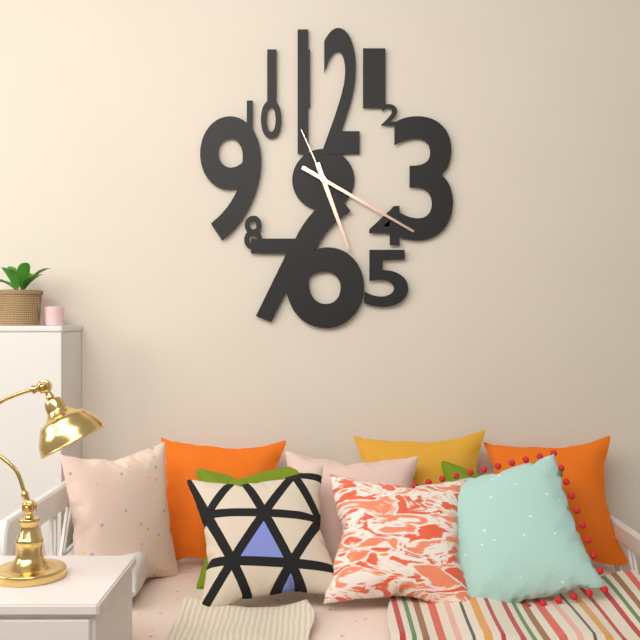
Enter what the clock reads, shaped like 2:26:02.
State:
5:20:56
